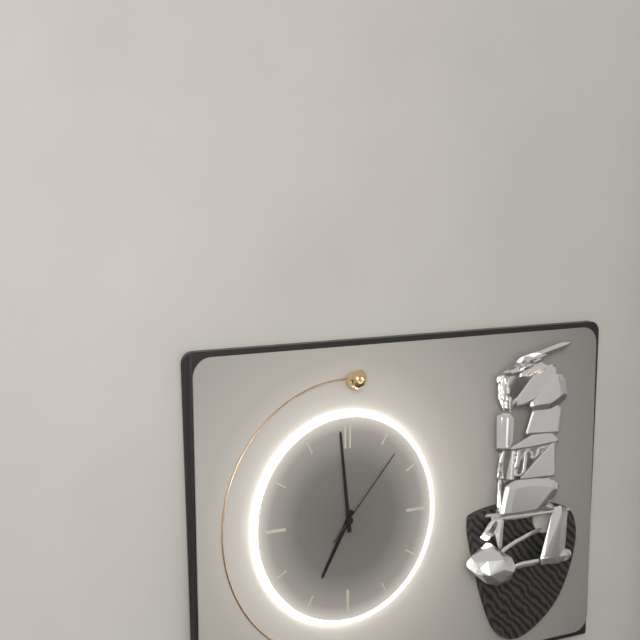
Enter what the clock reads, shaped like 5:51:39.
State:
6:59:07
